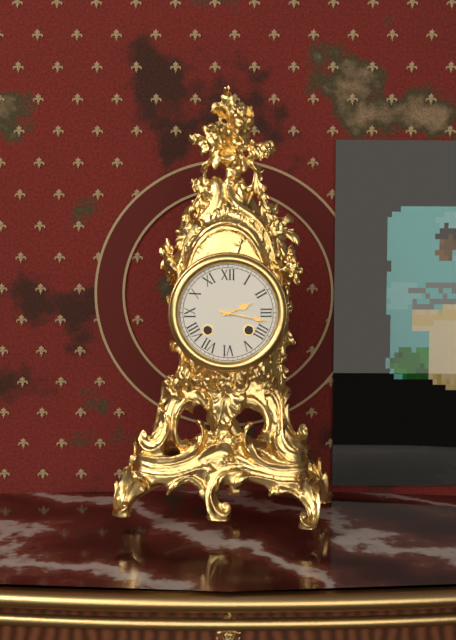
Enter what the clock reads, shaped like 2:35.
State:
2:17
